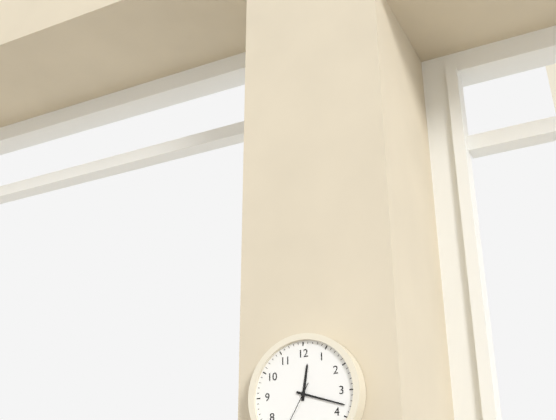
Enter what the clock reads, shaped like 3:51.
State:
12:18
